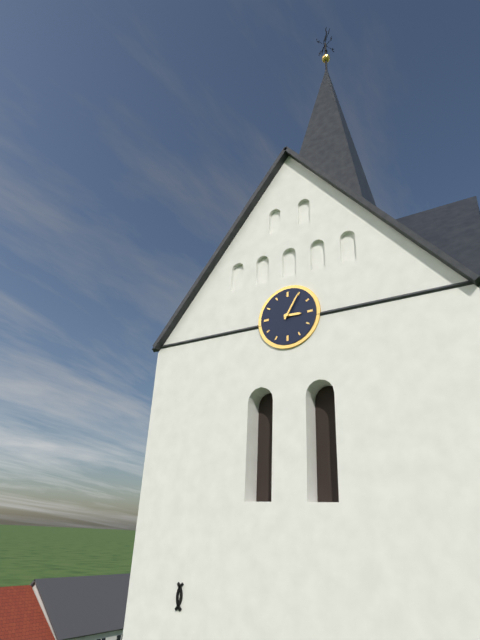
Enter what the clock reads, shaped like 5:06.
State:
3:05
